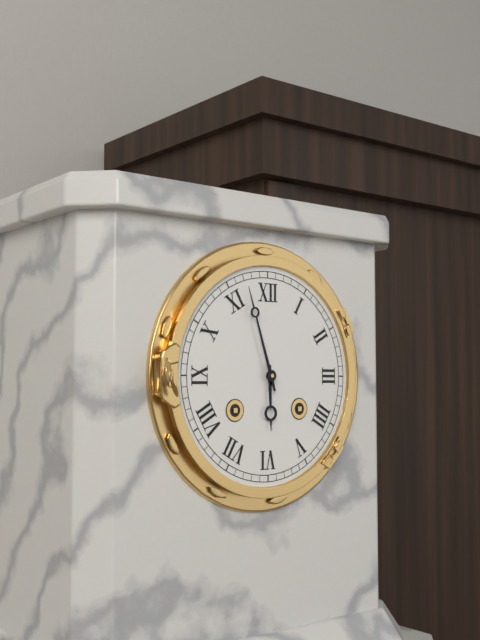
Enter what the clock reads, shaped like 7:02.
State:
5:57
